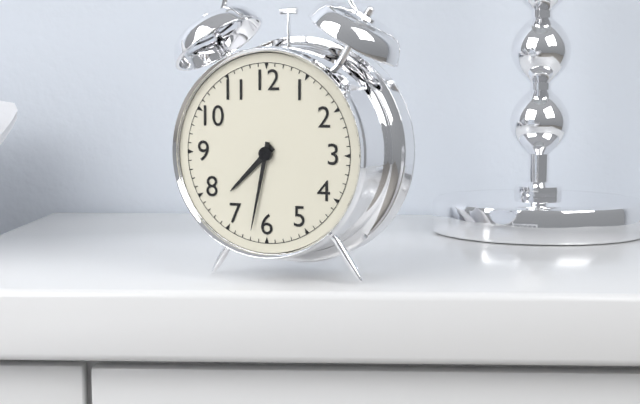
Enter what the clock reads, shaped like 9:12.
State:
7:32
